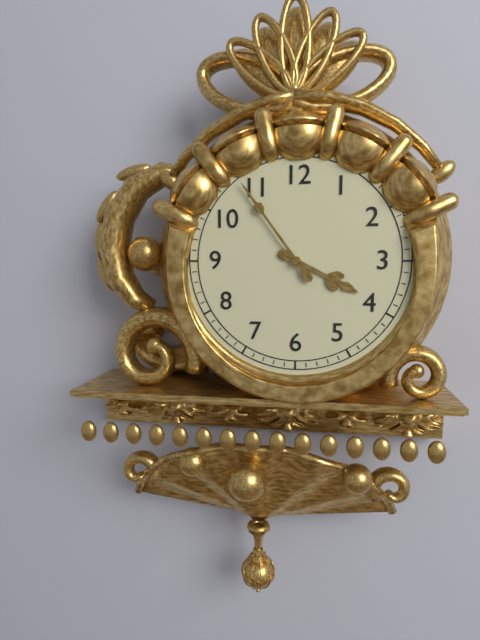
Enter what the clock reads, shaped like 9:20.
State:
3:54
